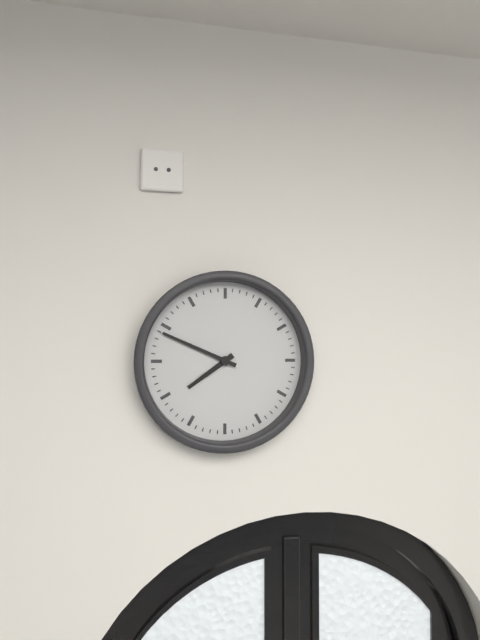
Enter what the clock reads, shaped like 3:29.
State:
7:49
